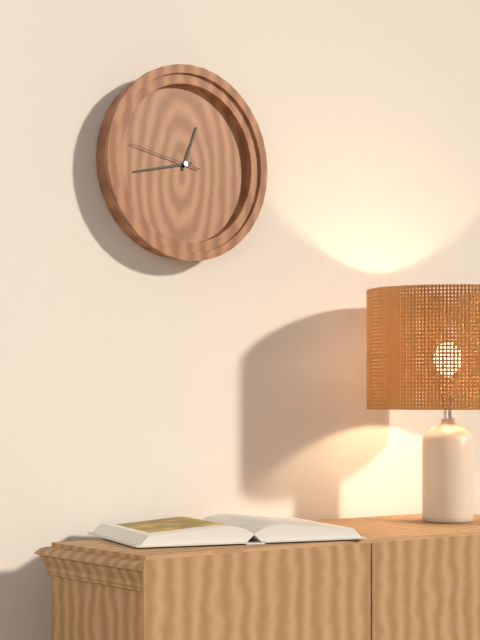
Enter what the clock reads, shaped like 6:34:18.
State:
12:43:47
